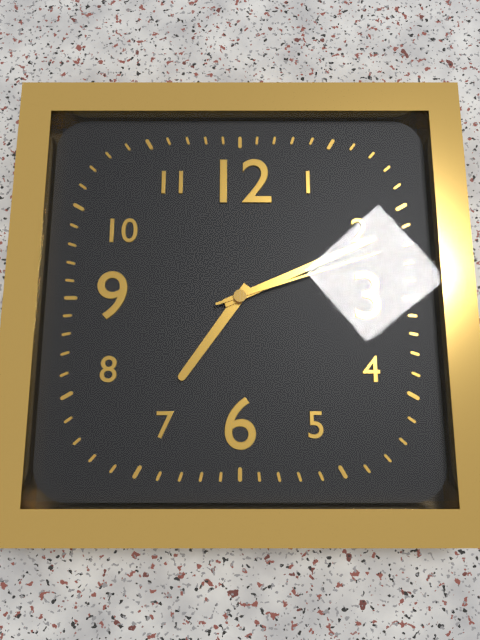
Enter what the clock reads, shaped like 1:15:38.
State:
7:11:12
